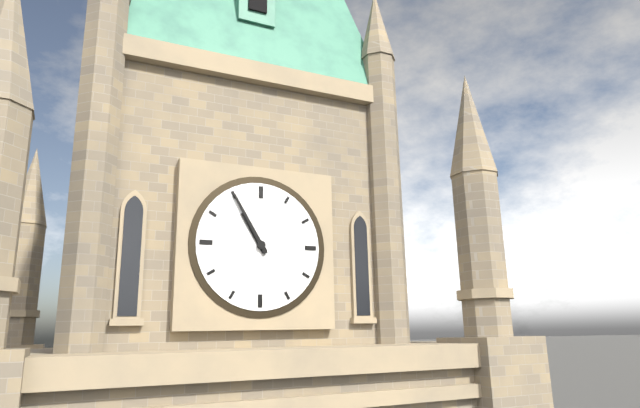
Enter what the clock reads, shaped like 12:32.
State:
10:55
